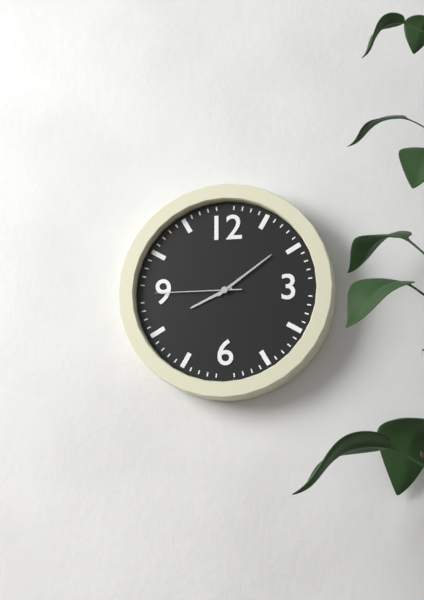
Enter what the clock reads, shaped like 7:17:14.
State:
8:09:45
